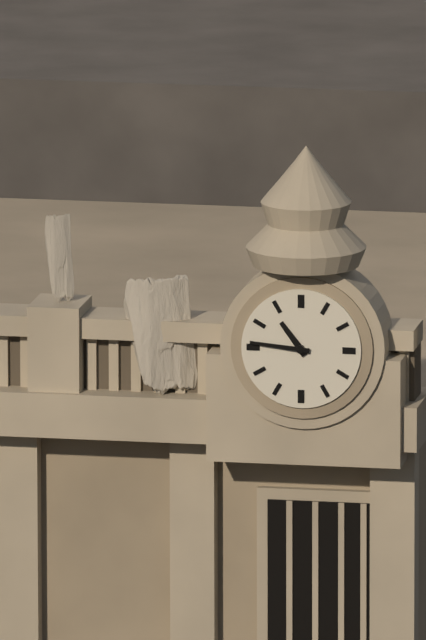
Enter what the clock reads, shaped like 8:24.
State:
10:46
